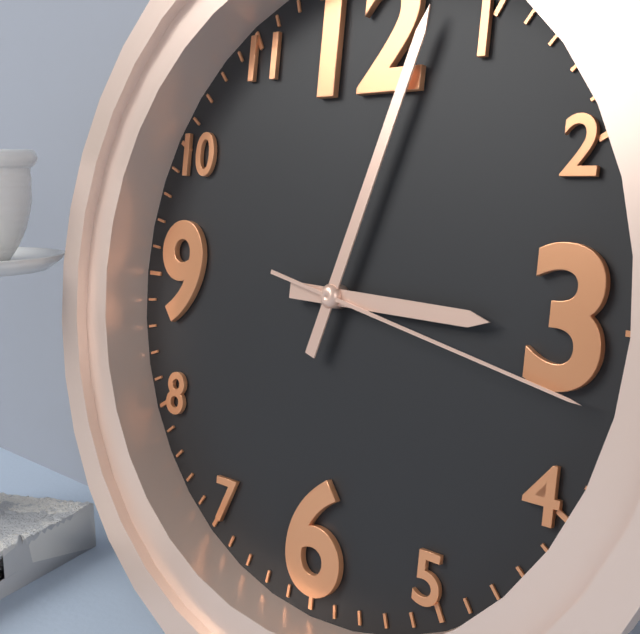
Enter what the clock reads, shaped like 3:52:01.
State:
3:03:17
